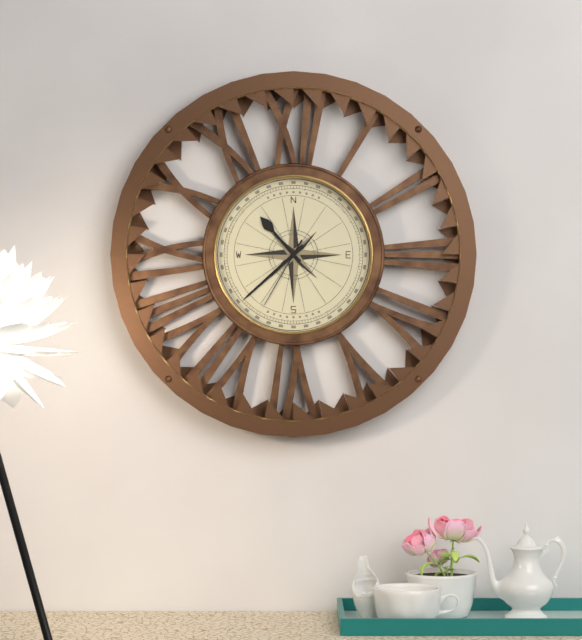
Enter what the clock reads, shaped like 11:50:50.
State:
10:38:35
